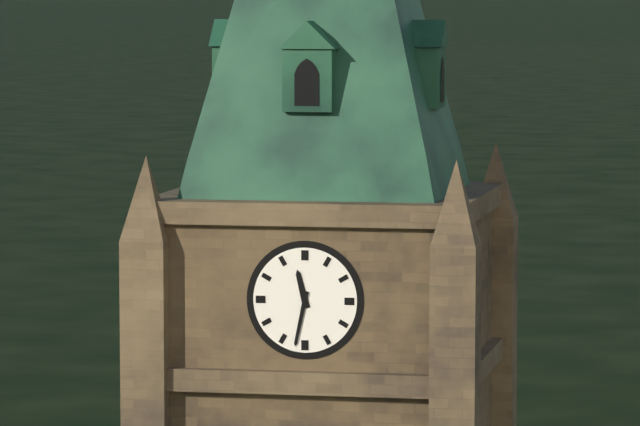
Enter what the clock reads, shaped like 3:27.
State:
11:32
